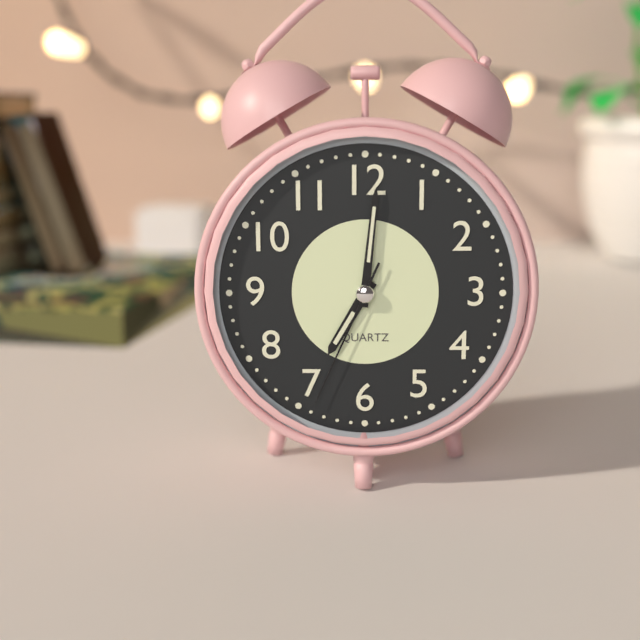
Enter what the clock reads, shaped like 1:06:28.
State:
7:01:34
